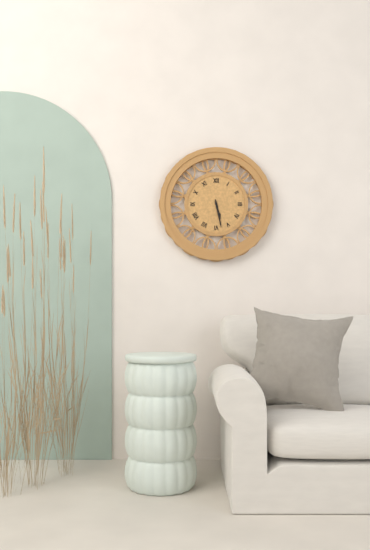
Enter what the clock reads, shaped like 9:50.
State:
5:28
